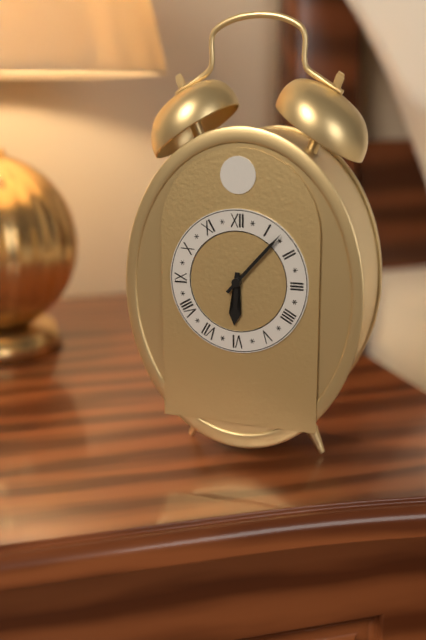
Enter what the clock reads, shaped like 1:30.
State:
6:07
